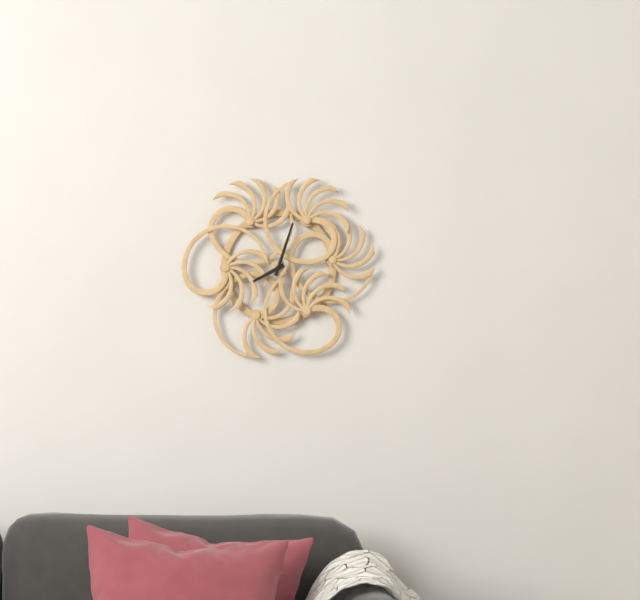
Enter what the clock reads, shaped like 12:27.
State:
8:03
